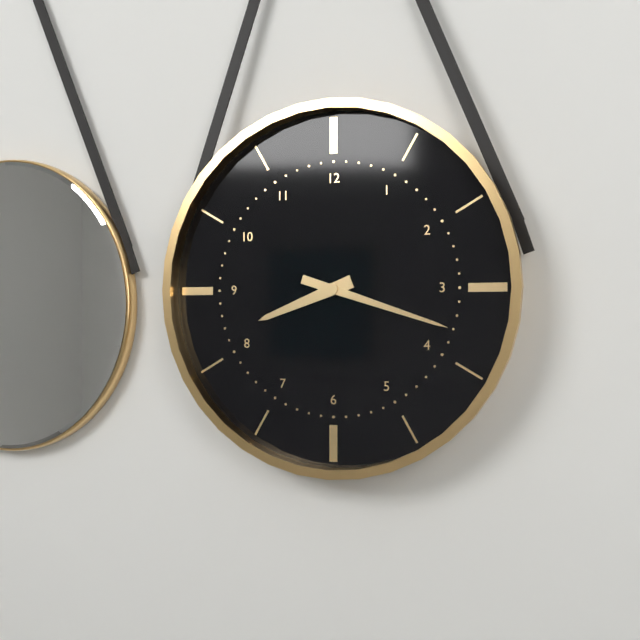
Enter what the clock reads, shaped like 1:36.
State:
8:18
